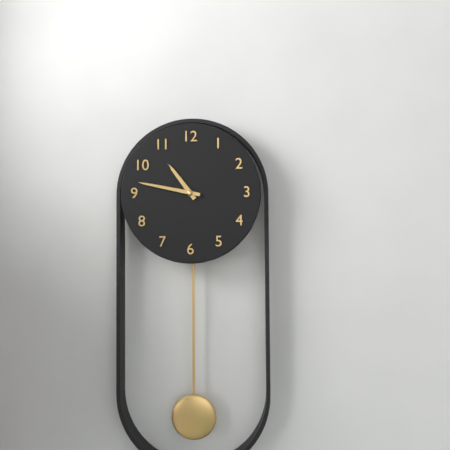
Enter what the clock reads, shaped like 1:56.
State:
10:47
